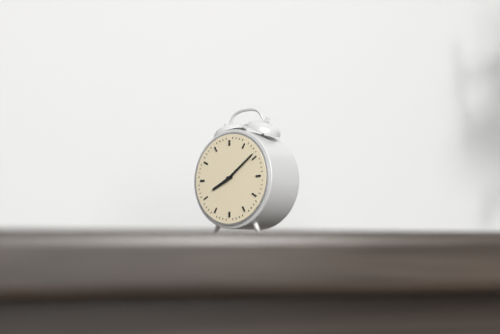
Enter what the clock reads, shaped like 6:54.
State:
8:09
